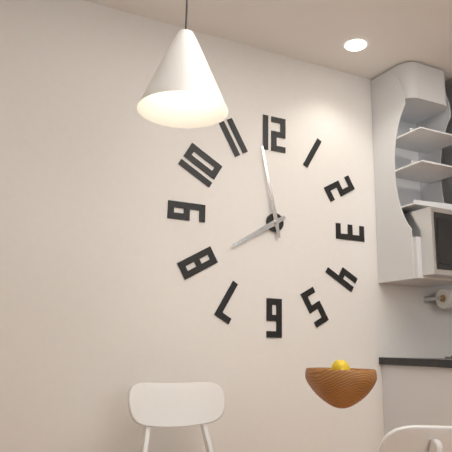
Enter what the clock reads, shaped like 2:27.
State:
7:58
